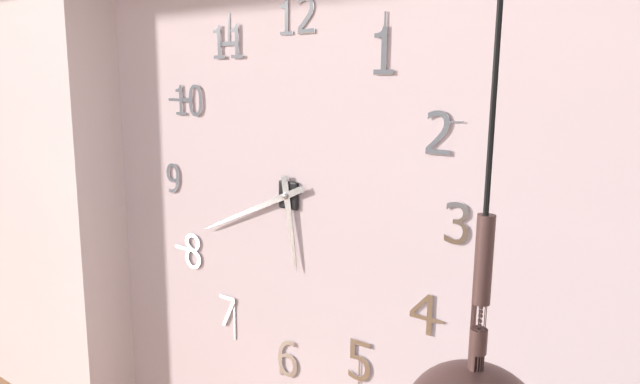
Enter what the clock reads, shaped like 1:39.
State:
5:41
